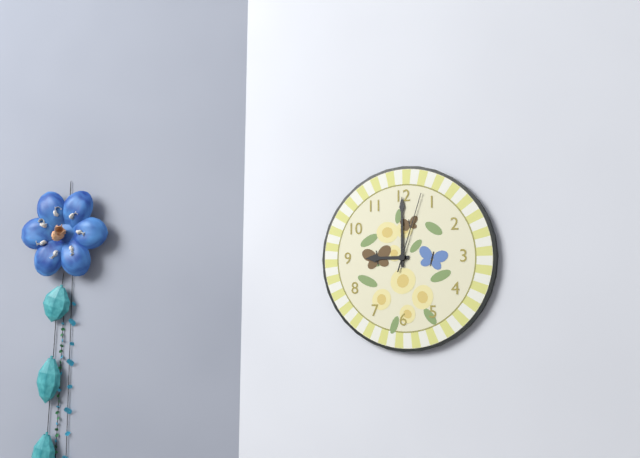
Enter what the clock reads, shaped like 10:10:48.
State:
9:00:03
